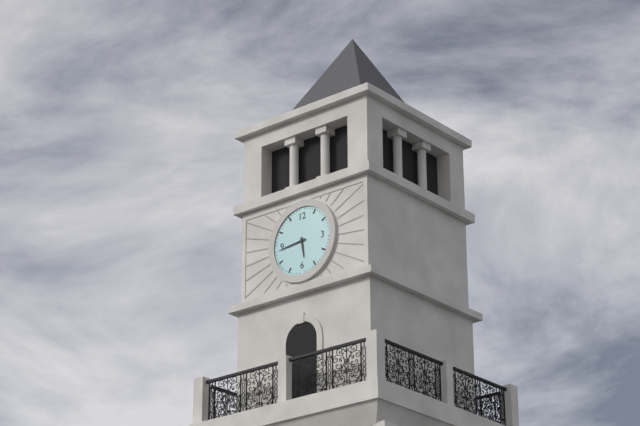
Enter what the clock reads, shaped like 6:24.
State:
5:44
